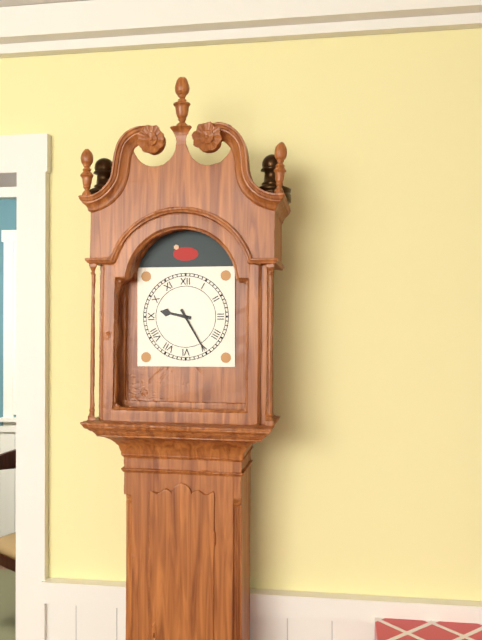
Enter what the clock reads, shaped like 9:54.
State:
9:25
